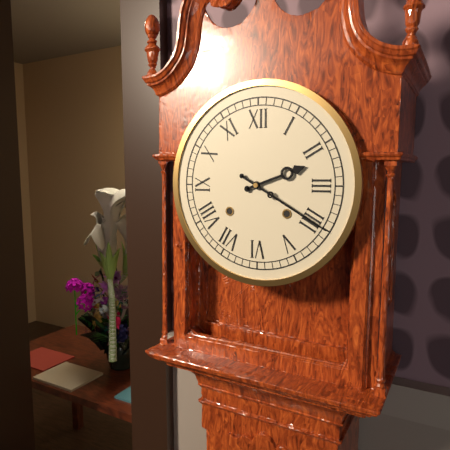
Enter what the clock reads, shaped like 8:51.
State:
2:20
